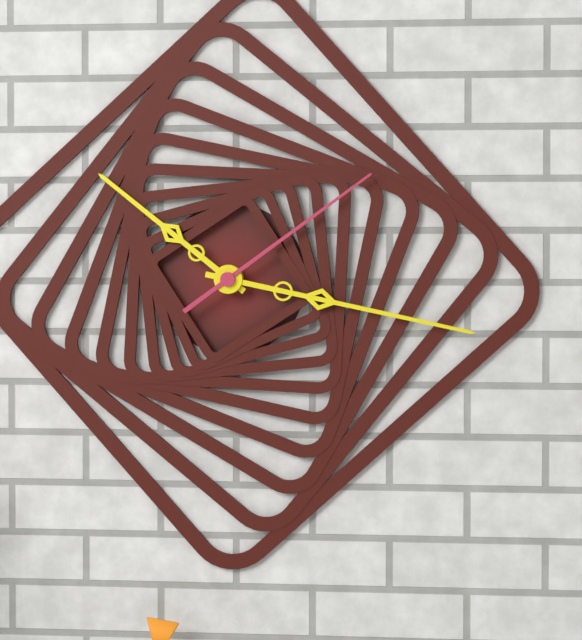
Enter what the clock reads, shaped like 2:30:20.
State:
10:17:09
